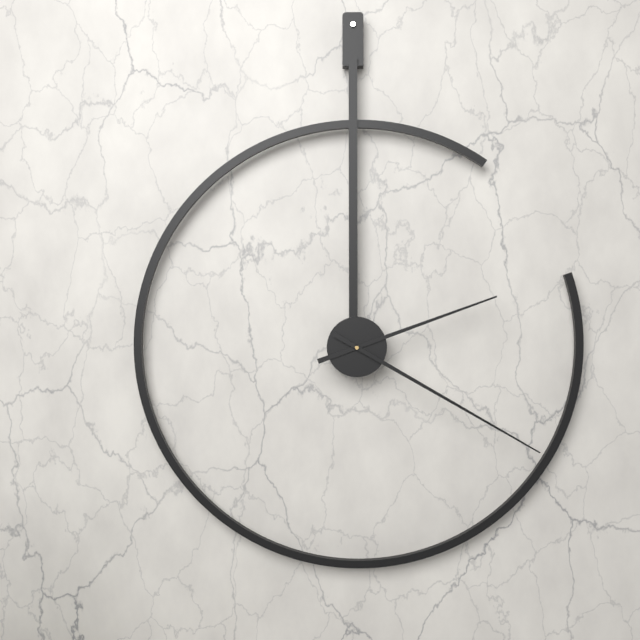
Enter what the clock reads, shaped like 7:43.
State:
2:20
